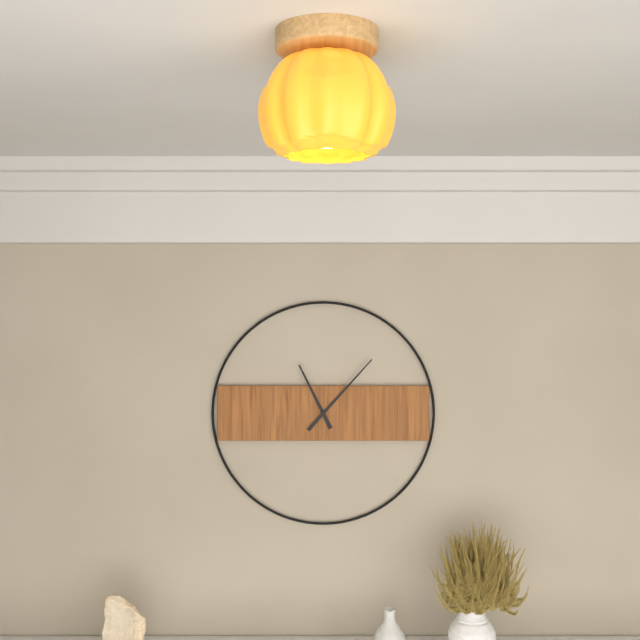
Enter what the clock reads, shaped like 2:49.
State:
11:07
